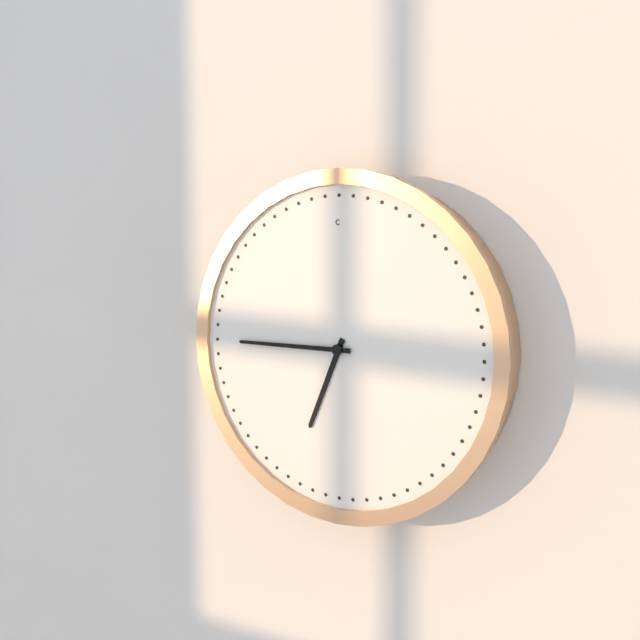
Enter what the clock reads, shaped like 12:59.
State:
6:45
